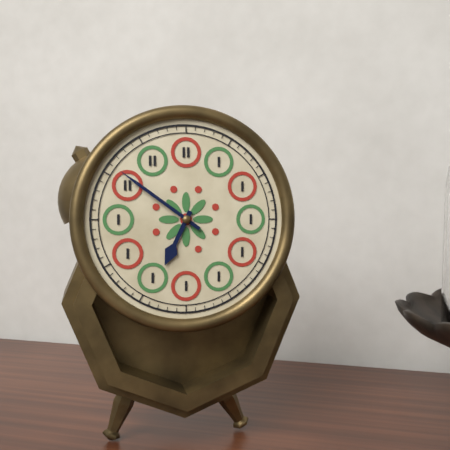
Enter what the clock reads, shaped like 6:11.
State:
6:51
